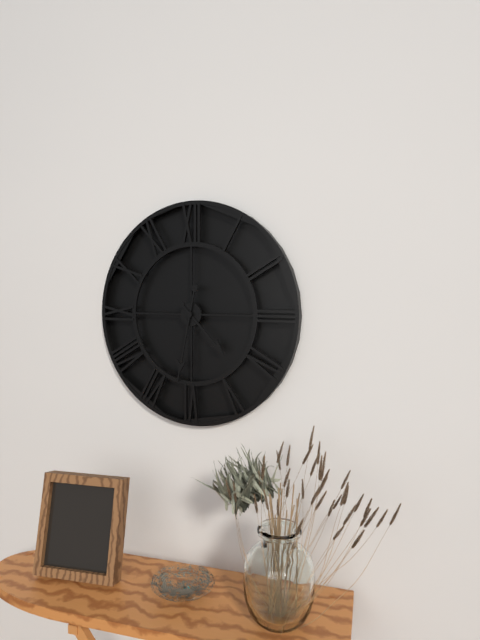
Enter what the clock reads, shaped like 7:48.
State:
4:32
